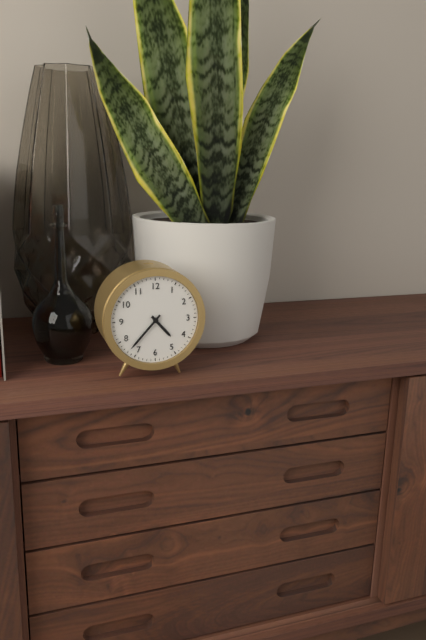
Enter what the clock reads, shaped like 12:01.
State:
4:37
